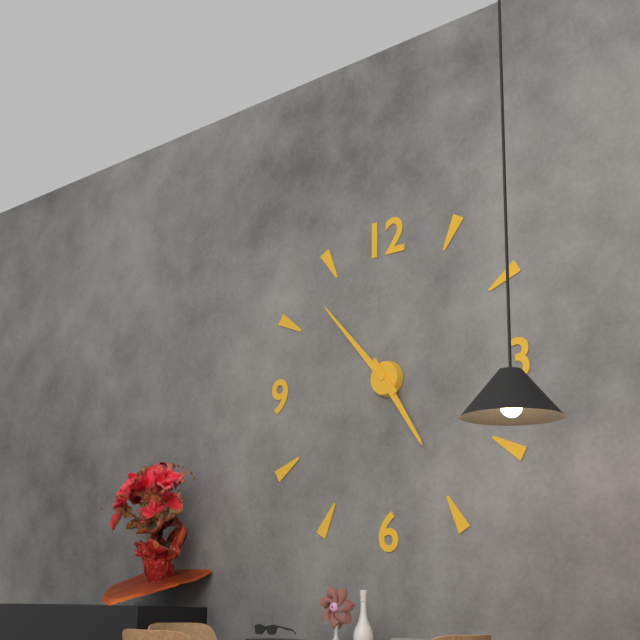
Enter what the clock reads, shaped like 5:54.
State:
4:53
